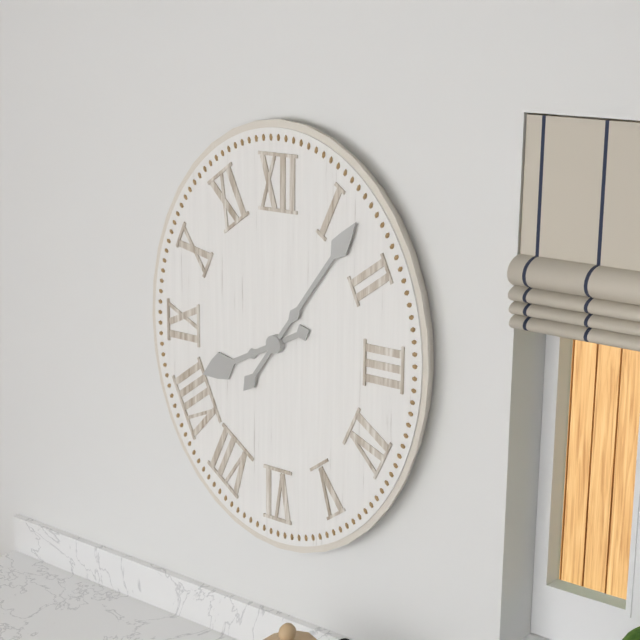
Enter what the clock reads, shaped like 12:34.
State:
8:06
